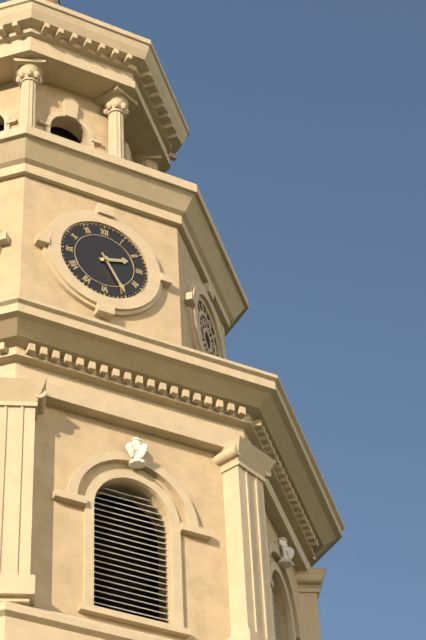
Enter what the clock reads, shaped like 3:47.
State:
2:25
